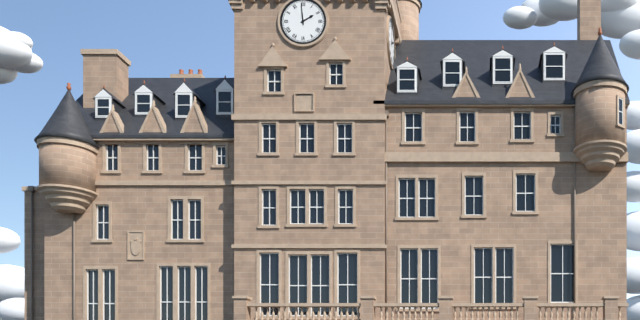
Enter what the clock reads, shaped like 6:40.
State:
1:59
